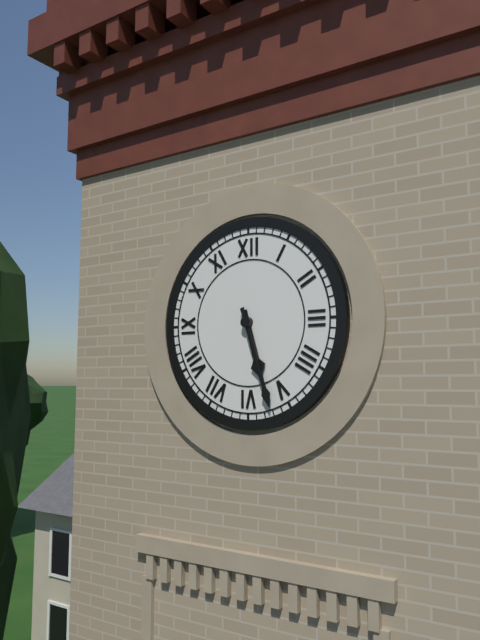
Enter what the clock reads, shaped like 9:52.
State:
5:27
